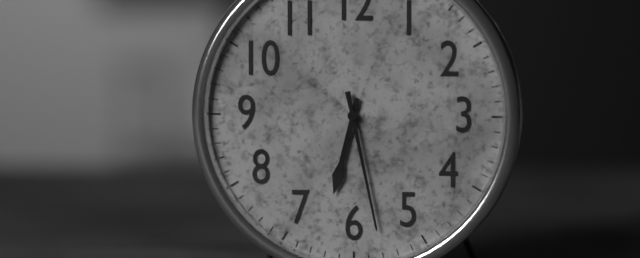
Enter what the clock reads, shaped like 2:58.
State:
6:28
